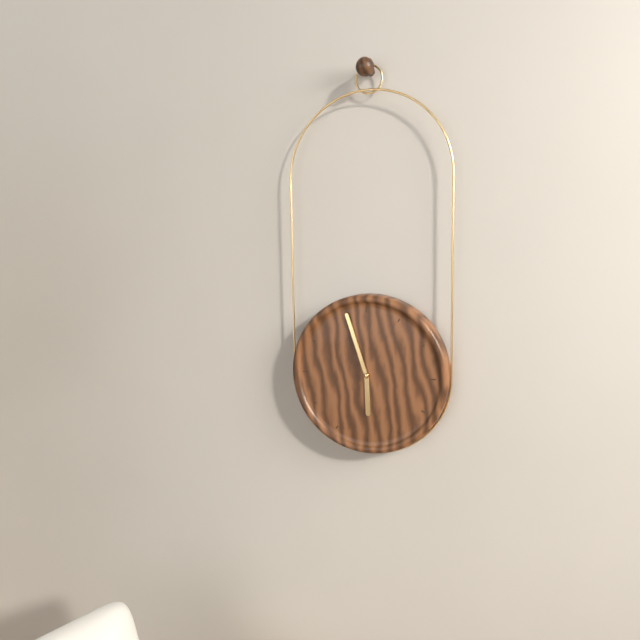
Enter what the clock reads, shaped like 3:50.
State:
5:57
